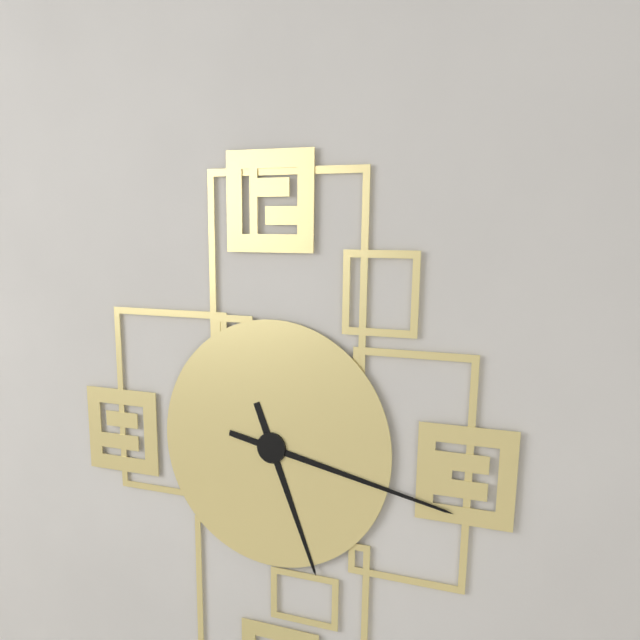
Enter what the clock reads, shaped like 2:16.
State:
5:17
